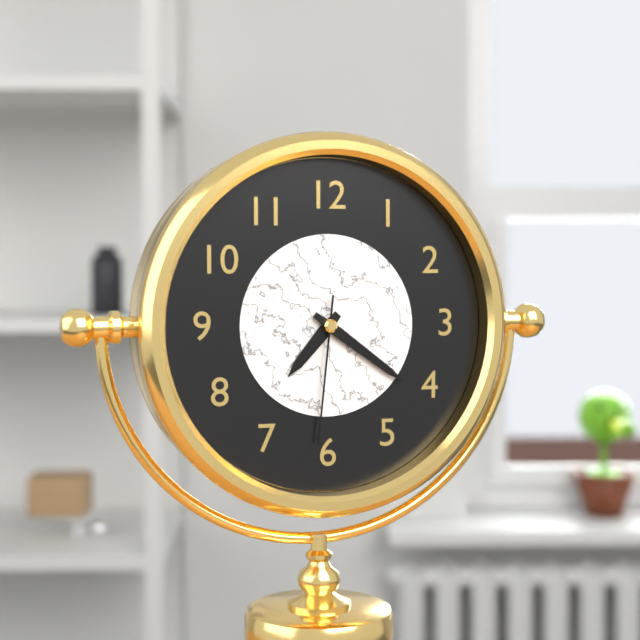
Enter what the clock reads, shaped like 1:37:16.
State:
7:21:31
